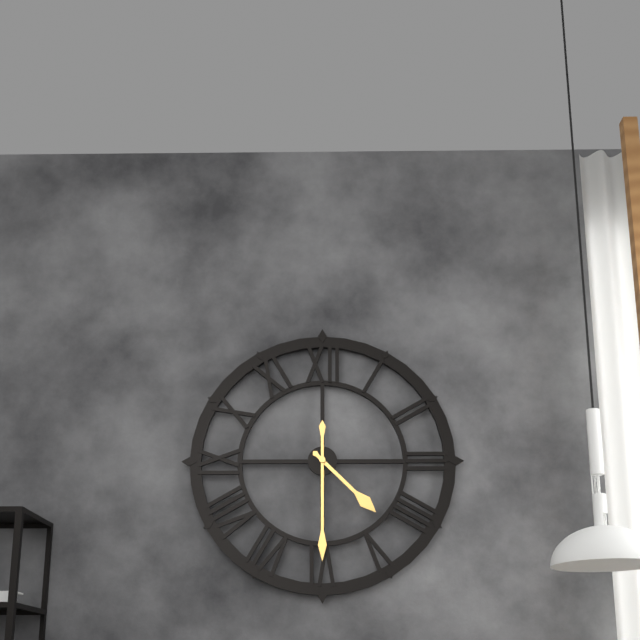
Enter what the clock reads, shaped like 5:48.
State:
4:30
